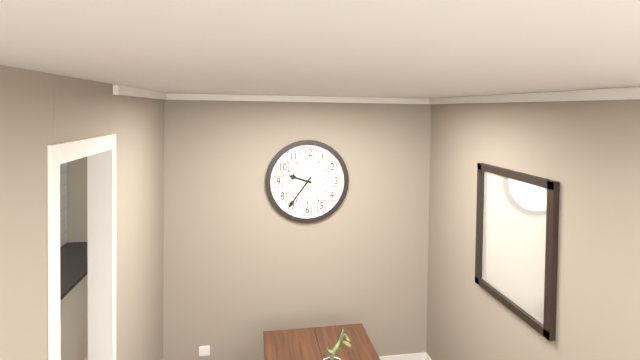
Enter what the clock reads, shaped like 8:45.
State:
9:36
